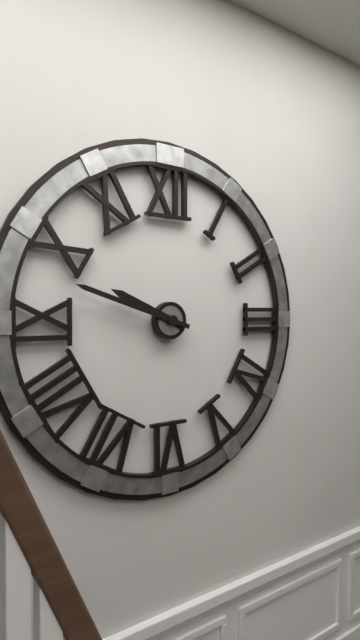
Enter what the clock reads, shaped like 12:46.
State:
9:48
